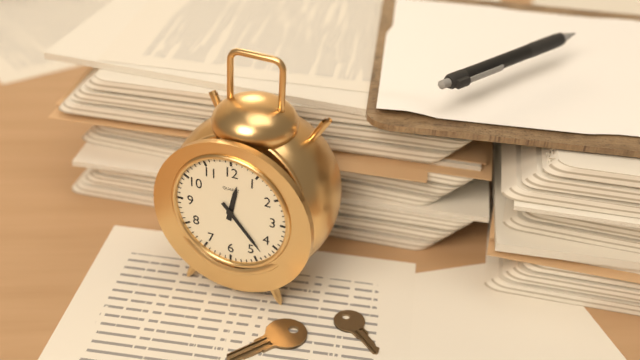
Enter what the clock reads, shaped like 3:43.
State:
12:23
